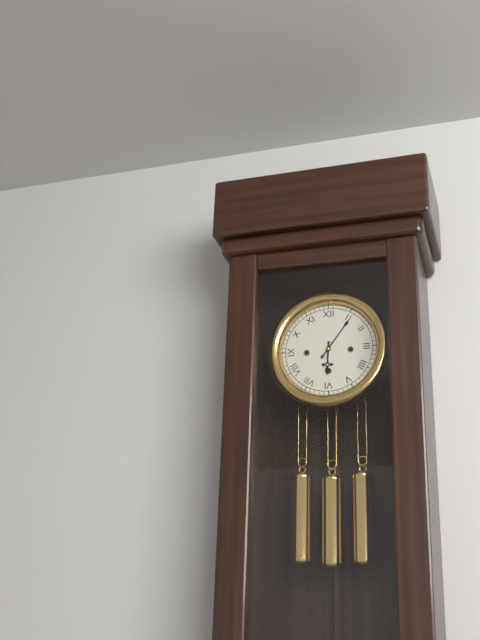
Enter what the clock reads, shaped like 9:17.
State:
6:06
